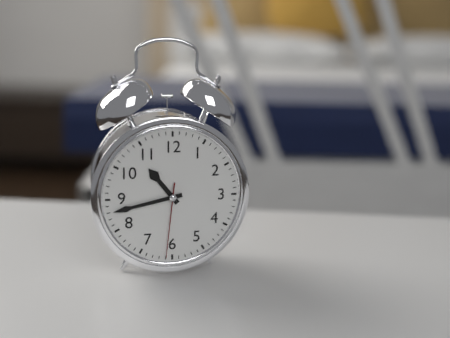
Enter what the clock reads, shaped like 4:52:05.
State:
10:43:31
